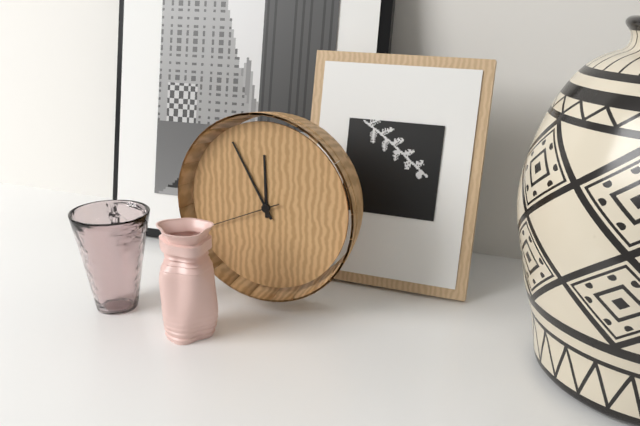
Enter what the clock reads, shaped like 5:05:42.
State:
11:55:41
